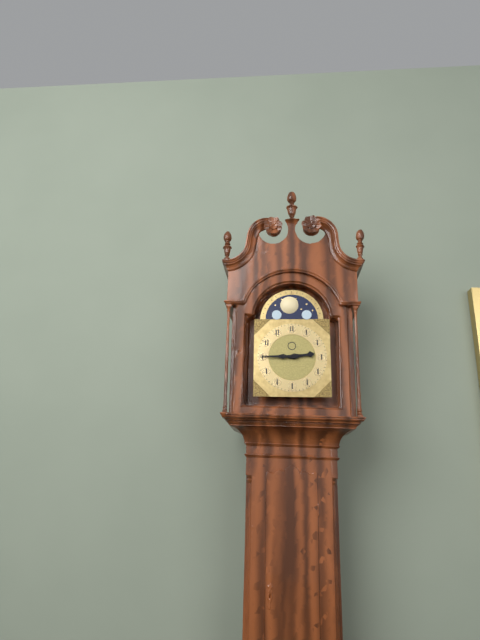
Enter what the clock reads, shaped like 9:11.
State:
2:45
